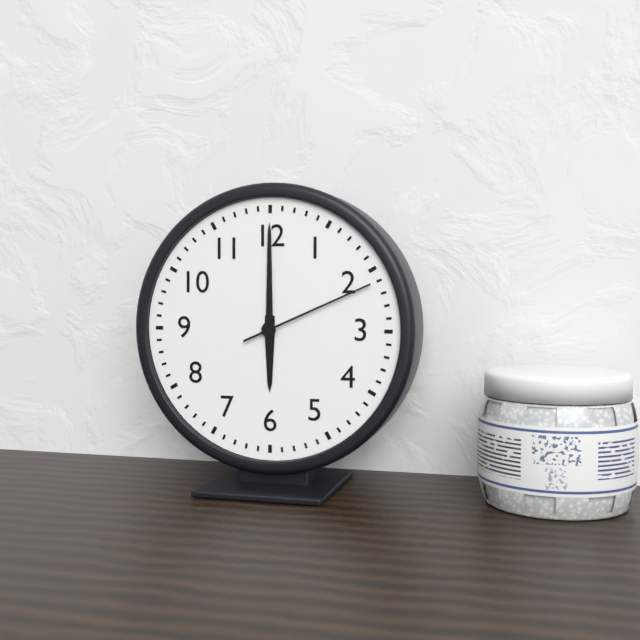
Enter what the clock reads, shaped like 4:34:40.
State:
6:00:11
